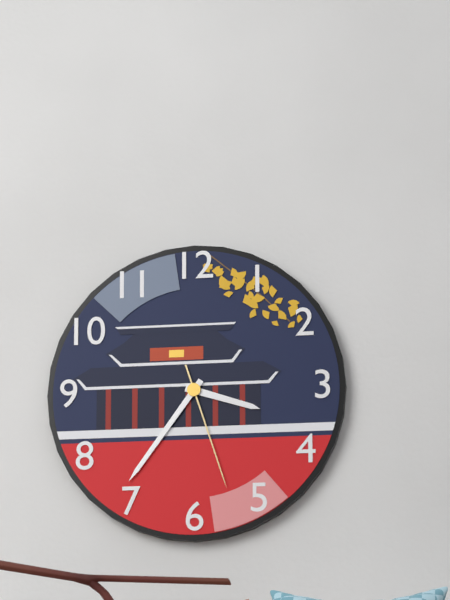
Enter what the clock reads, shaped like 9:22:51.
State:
3:36:27
